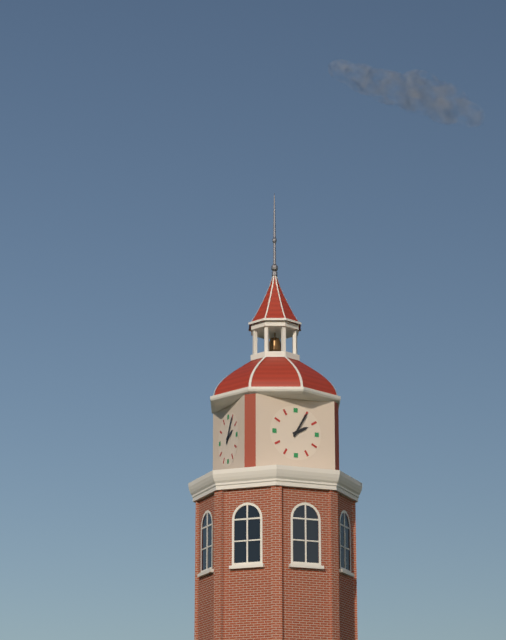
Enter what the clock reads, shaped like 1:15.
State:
2:05
